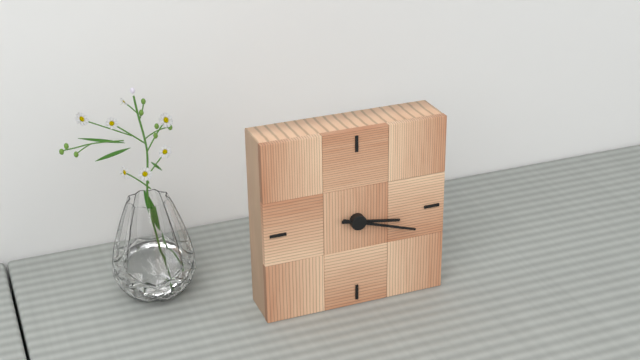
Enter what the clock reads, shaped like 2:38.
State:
3:18
